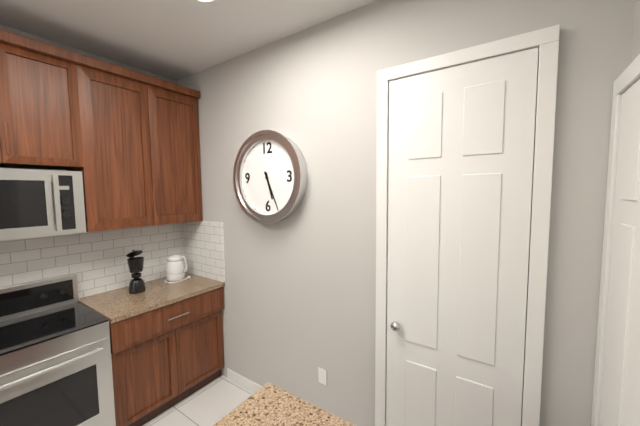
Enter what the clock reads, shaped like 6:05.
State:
5:26
